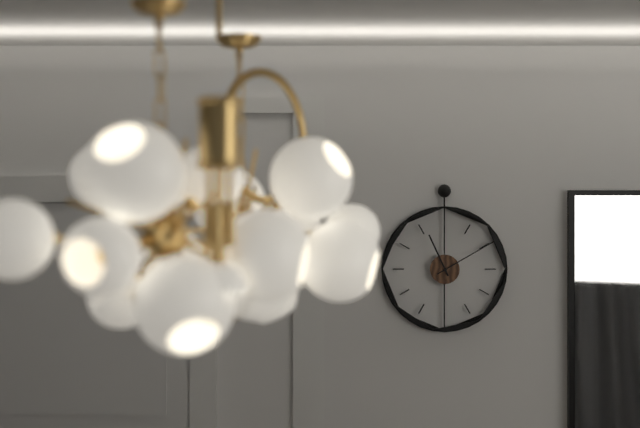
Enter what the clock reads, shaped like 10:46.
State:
11:10
